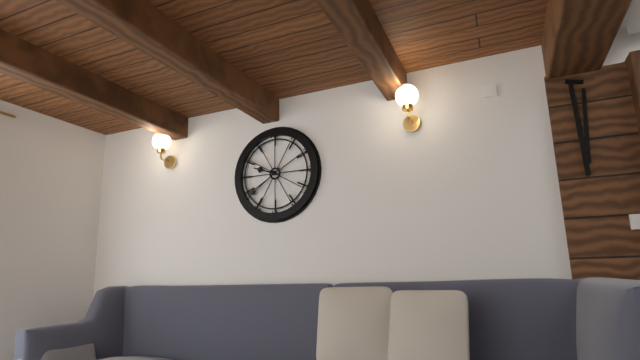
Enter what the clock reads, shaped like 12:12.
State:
9:39
